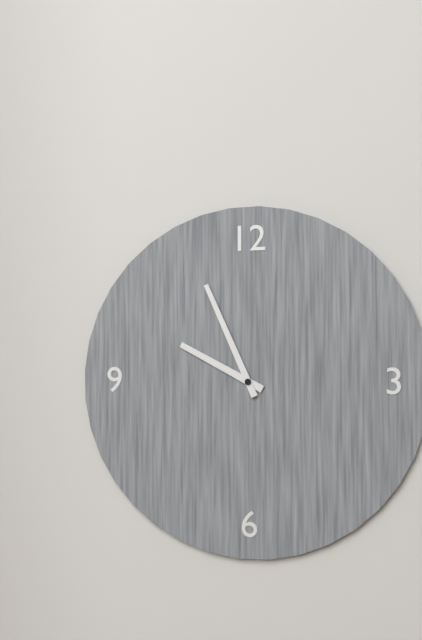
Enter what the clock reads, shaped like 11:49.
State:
9:56
